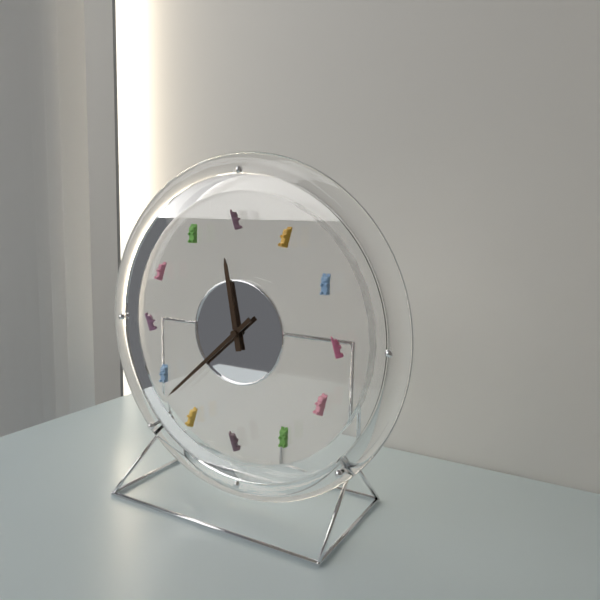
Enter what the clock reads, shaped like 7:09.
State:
11:38
